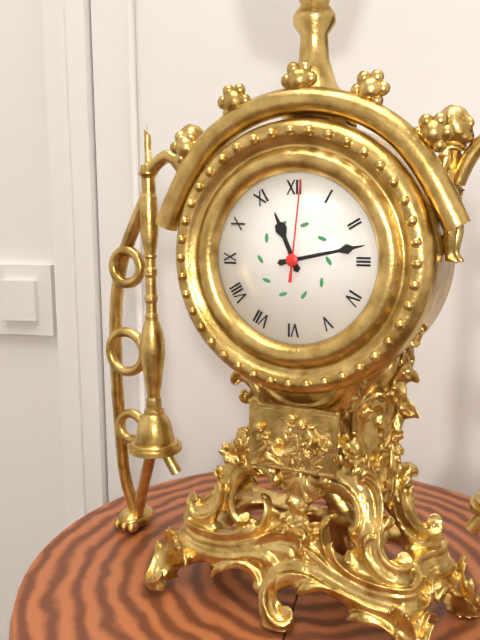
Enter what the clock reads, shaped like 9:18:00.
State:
11:13:01
